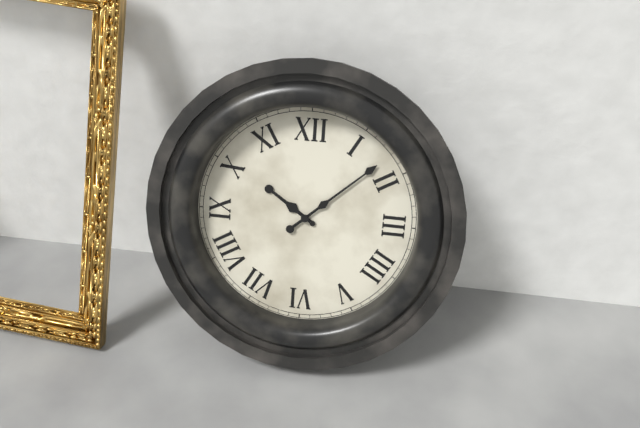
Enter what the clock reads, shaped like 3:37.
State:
10:08
